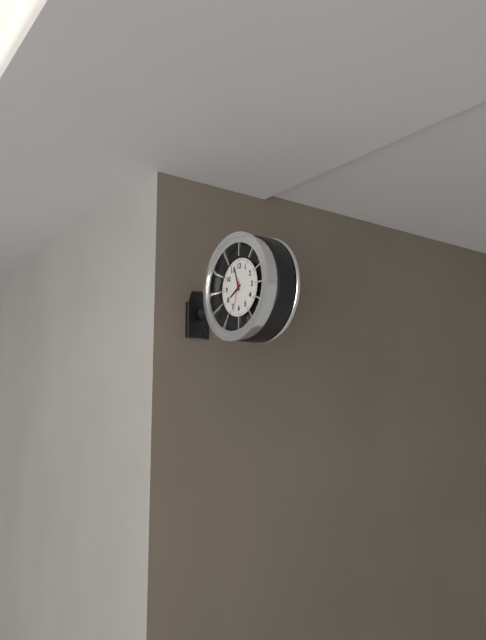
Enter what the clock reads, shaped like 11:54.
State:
7:57
